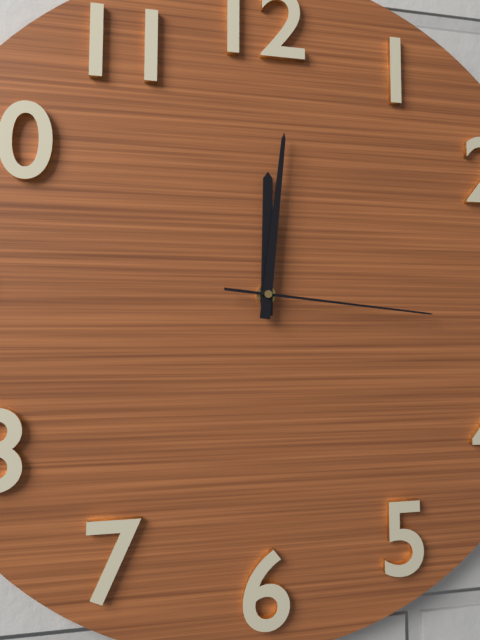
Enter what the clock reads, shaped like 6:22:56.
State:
12:01:16
